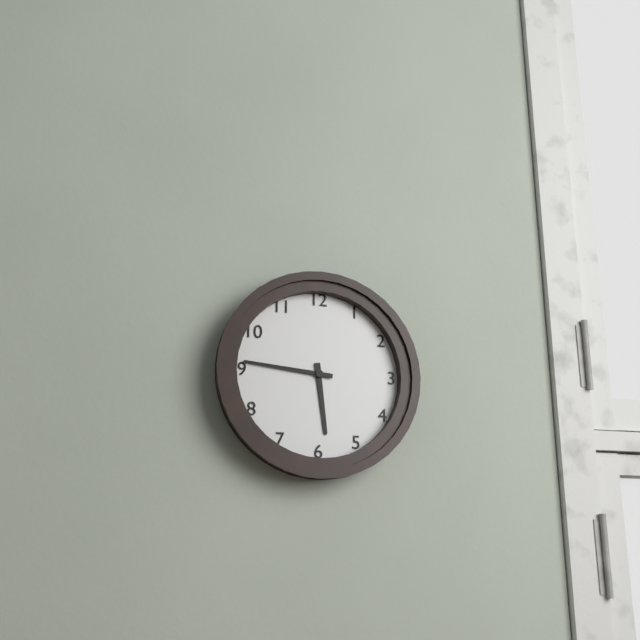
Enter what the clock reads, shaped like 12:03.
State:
5:46
